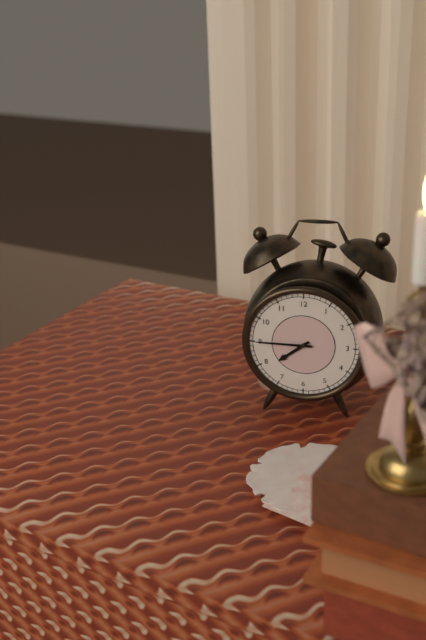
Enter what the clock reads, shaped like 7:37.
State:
7:45
